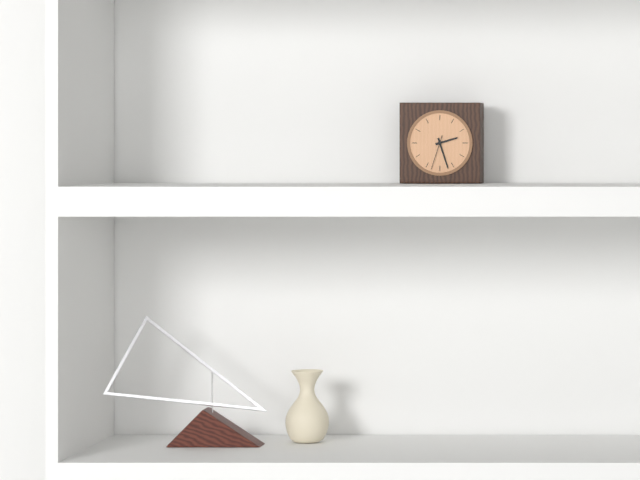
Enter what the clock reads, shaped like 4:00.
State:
2:27
